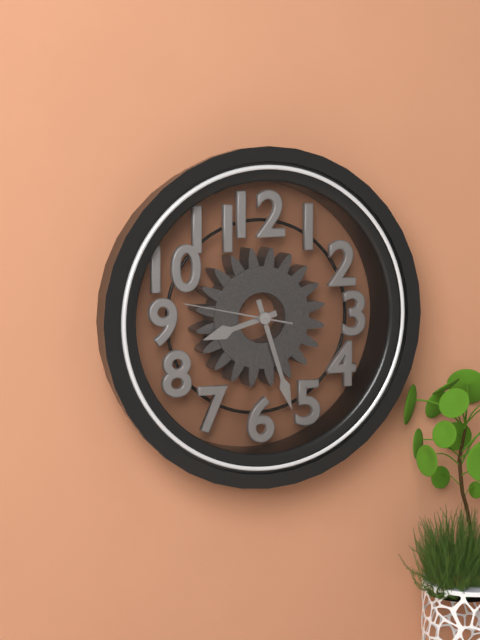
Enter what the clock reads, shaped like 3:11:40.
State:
8:27:47
